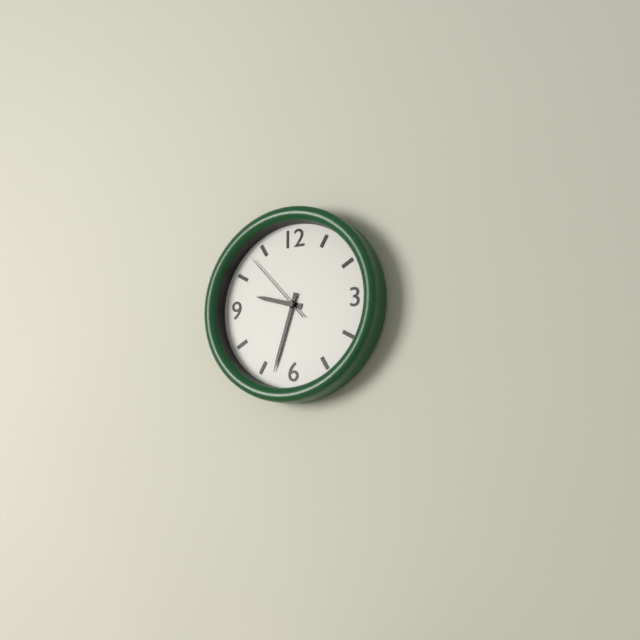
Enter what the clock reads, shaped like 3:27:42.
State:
9:33:53
